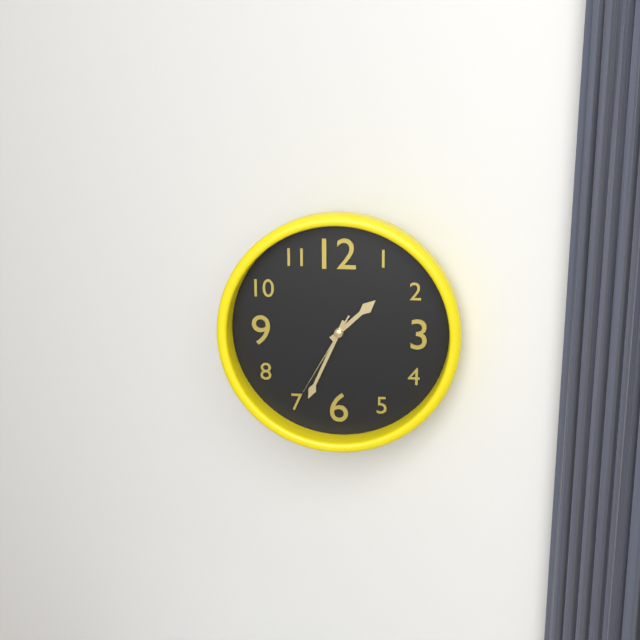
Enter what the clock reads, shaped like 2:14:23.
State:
1:34:35
